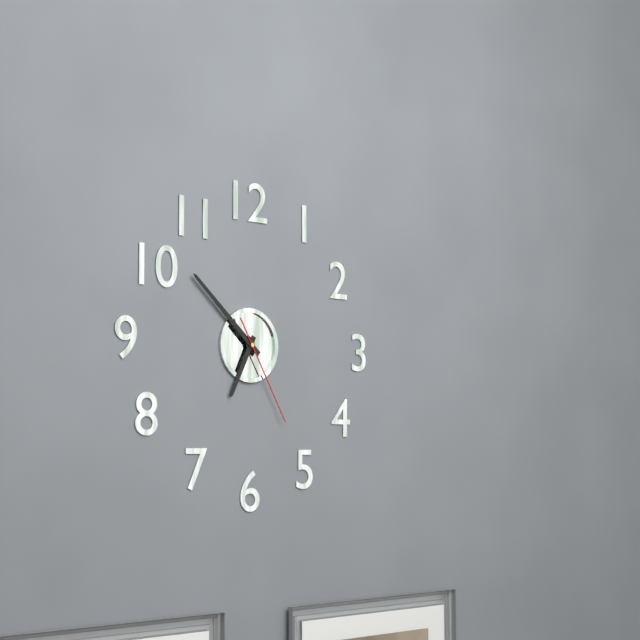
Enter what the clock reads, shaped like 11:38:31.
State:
6:52:25
